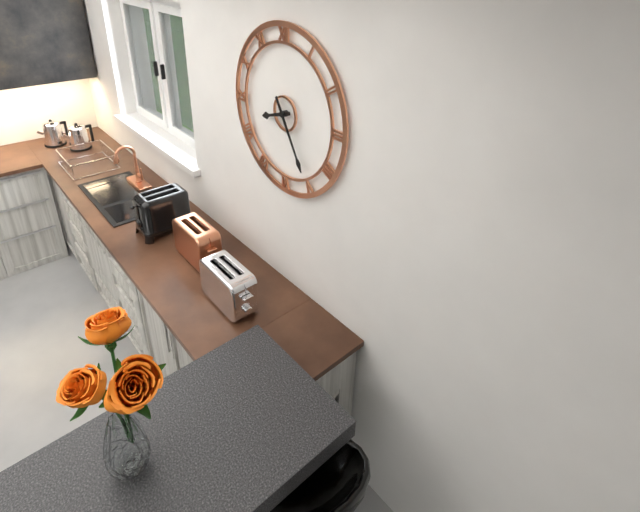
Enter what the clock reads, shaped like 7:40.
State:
8:25
